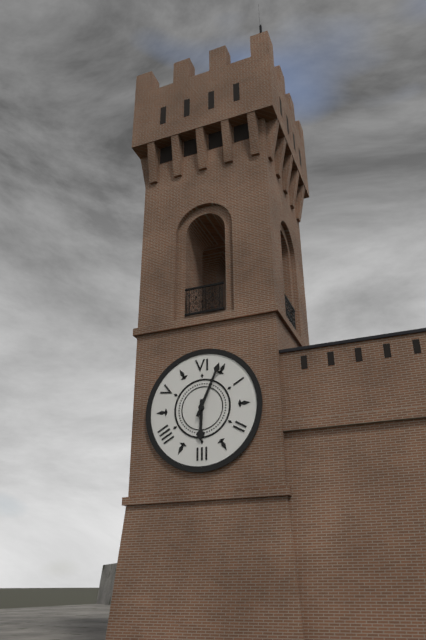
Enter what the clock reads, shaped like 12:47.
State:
6:04
